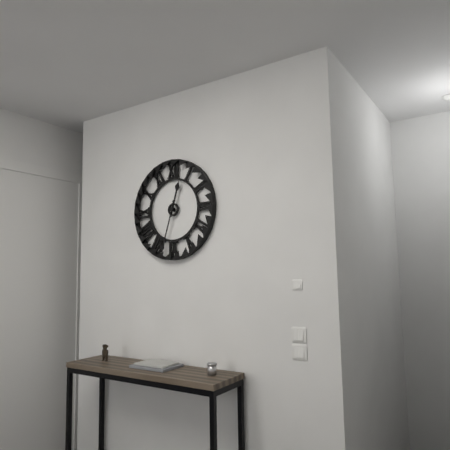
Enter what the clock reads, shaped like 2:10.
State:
12:33
